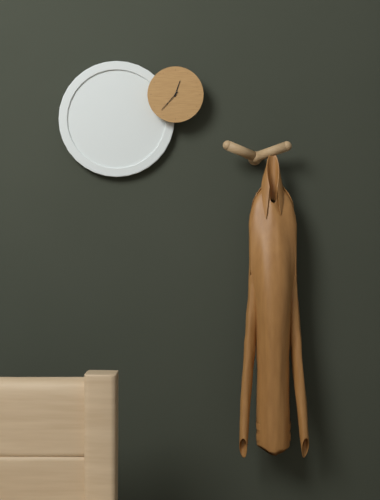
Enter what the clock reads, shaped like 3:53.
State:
12:37
